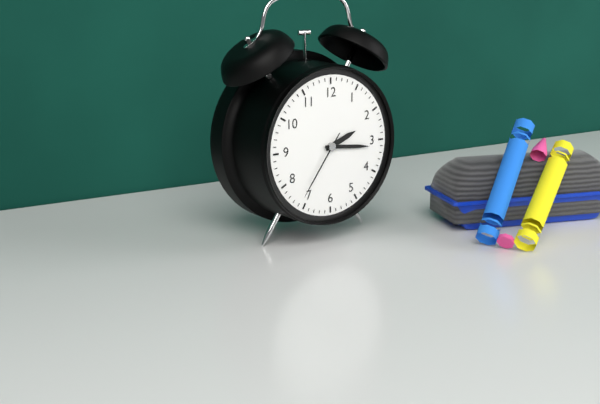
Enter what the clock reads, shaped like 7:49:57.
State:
2:16:36
